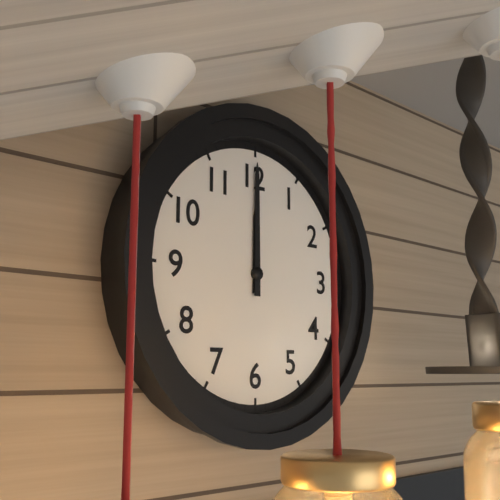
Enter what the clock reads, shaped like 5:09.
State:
12:00
